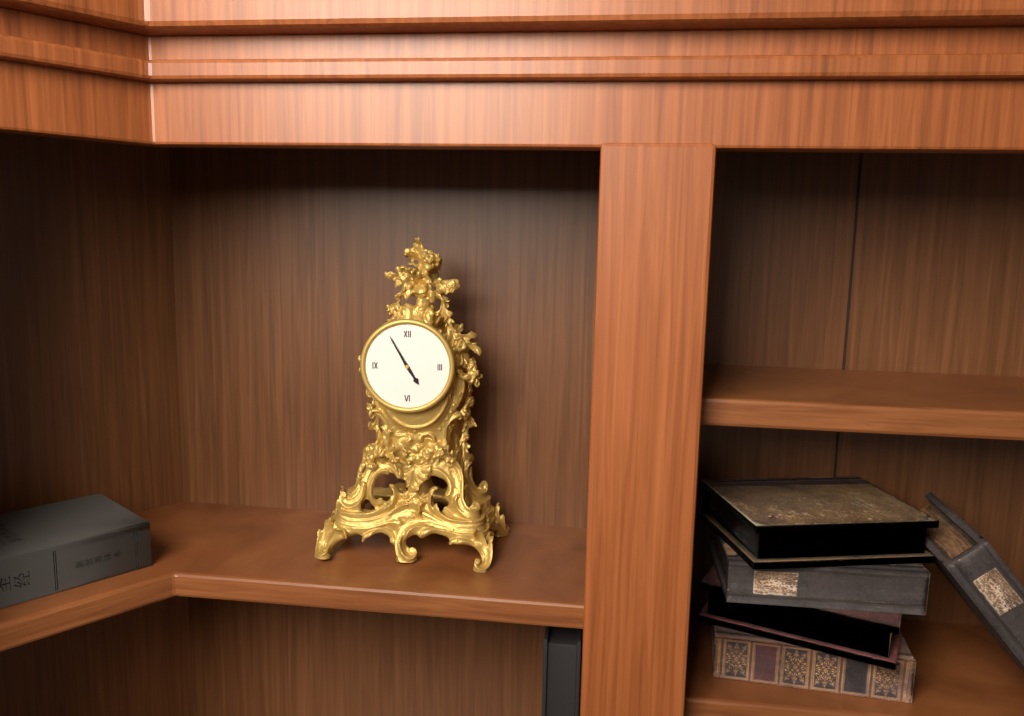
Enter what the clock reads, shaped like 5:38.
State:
4:55
